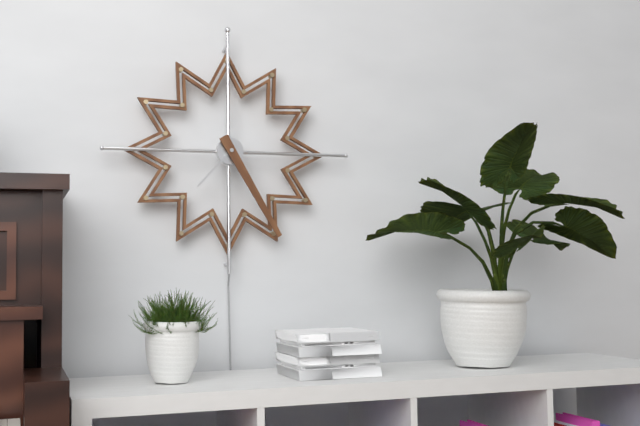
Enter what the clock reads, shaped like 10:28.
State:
7:25
